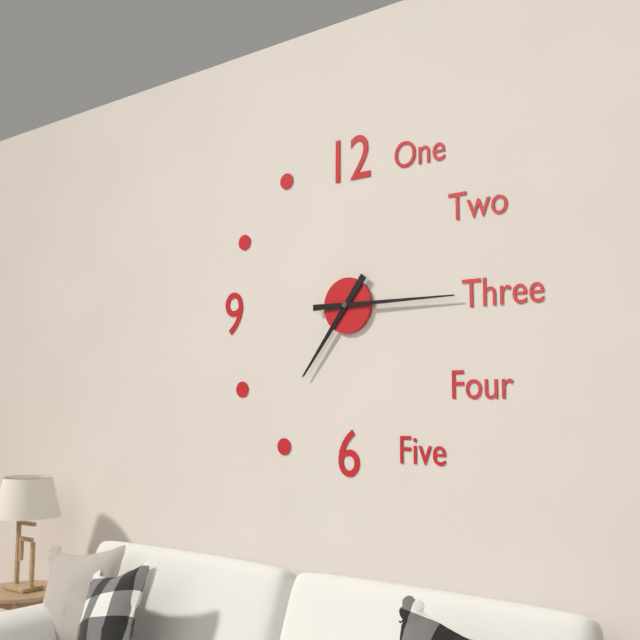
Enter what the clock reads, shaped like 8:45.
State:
7:15
